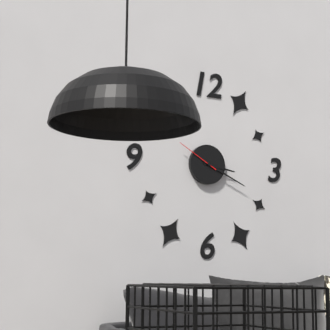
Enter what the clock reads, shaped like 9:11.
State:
3:19
